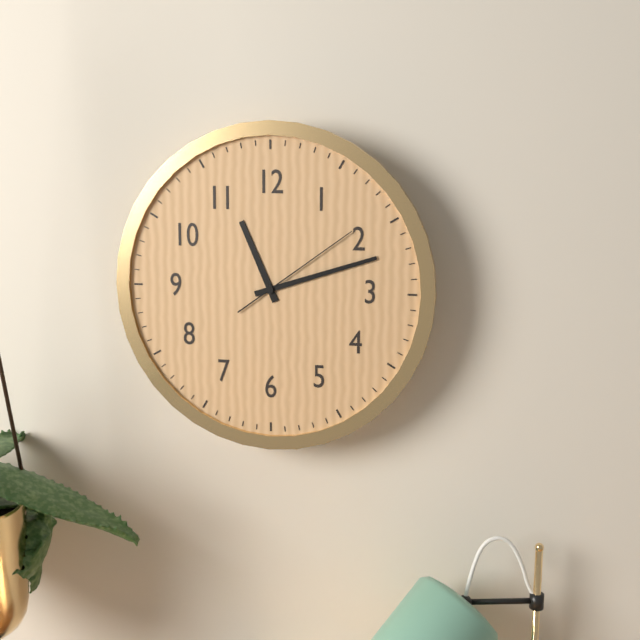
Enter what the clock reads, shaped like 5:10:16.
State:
11:12:09
